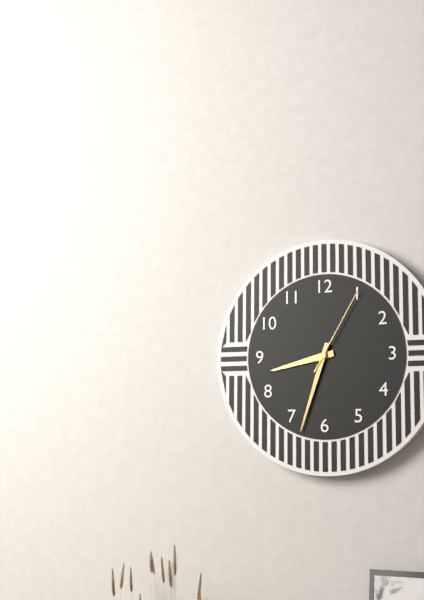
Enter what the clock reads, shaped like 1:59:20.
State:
8:33:05
